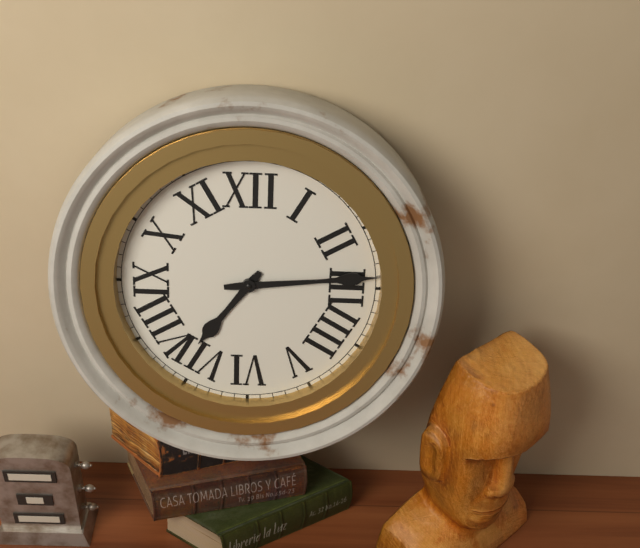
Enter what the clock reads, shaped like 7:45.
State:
7:14
